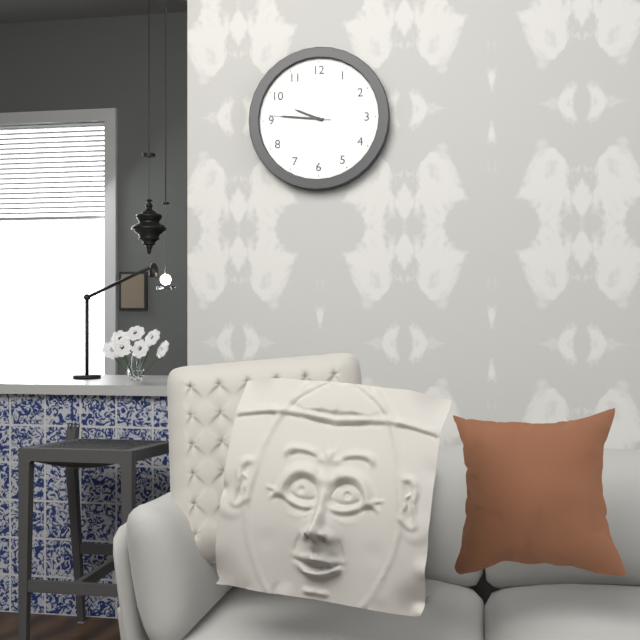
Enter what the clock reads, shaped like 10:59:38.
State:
9:46:46
